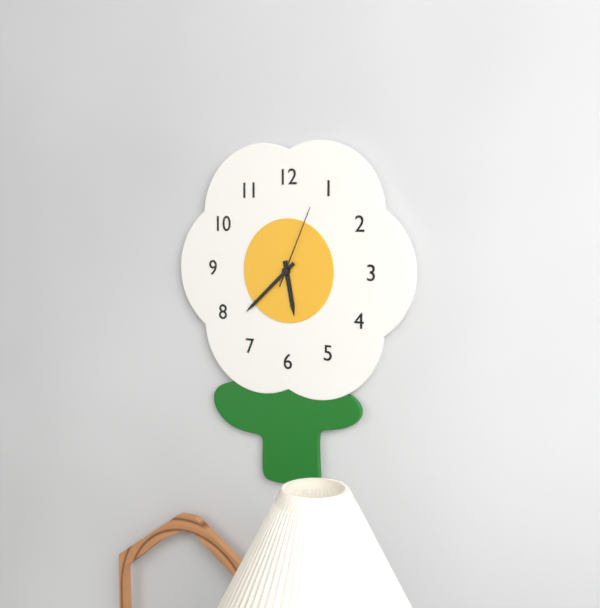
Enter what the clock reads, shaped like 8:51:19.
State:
5:38:04
